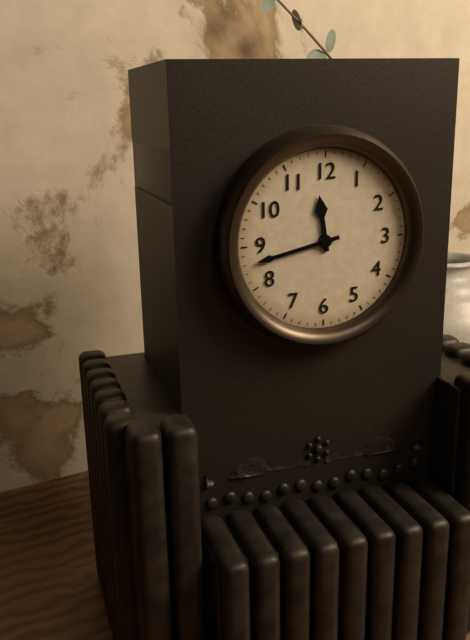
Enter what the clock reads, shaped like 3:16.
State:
11:43
